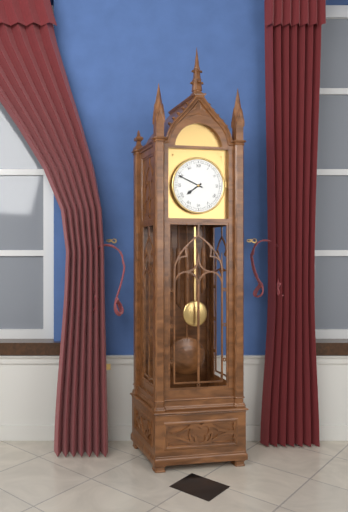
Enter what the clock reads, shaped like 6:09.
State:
7:49
